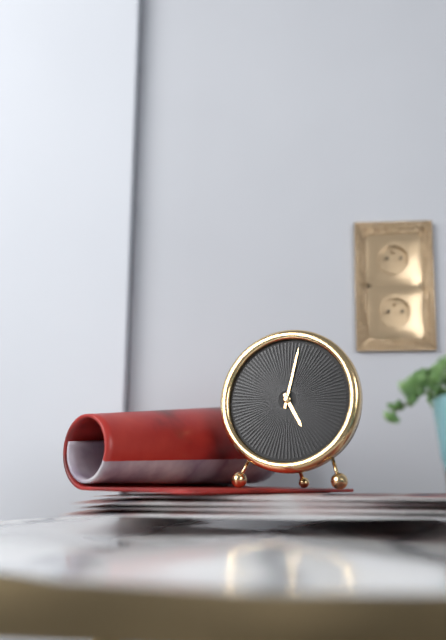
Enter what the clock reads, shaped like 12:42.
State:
5:02
